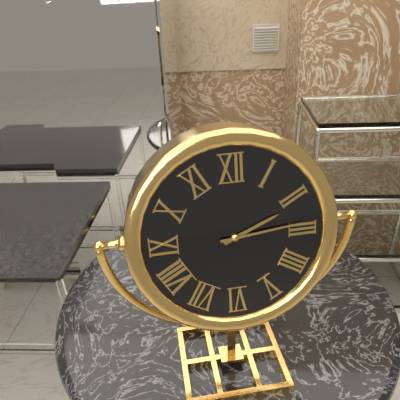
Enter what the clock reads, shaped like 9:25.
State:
2:14
